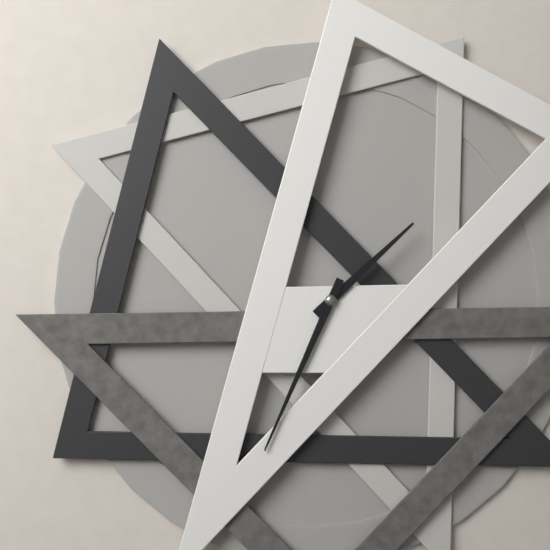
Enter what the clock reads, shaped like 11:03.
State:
1:34
